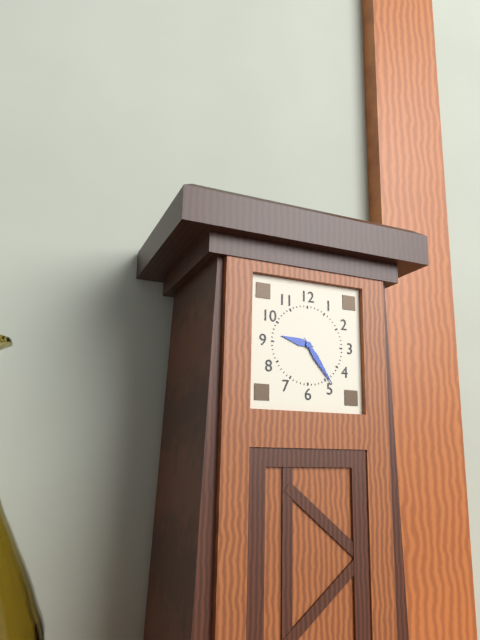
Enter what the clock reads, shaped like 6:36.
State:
9:24
